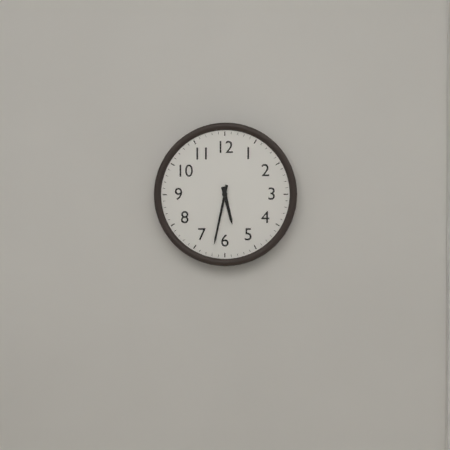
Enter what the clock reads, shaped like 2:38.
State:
5:32
